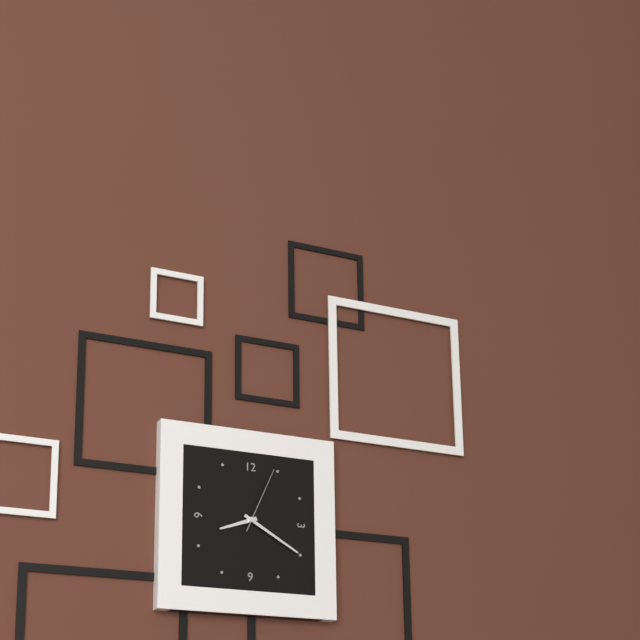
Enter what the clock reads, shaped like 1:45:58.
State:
8:20:04
